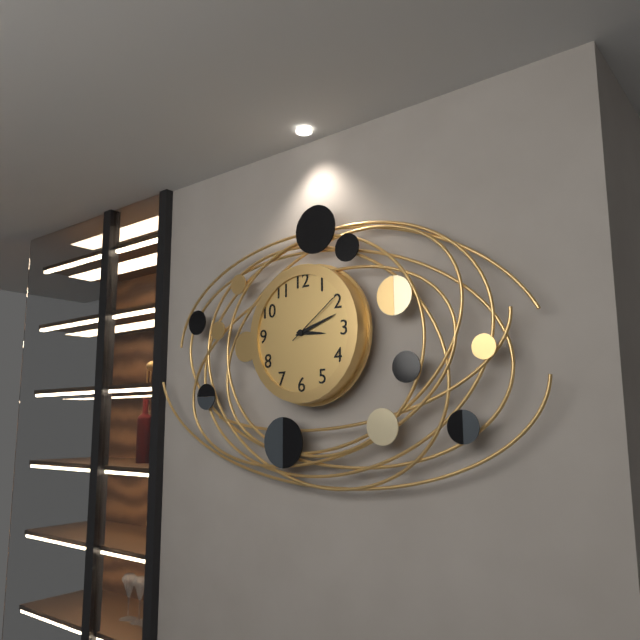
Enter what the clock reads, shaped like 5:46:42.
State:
3:12:09
